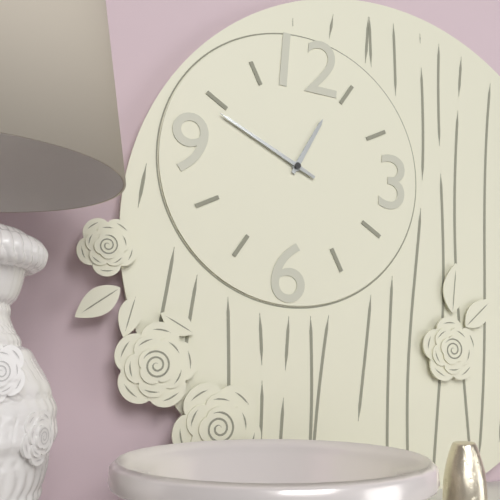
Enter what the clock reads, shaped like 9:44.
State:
12:49
